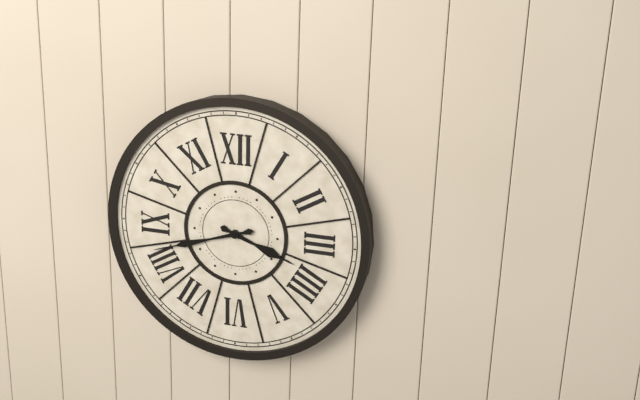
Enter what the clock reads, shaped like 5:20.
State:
3:42
